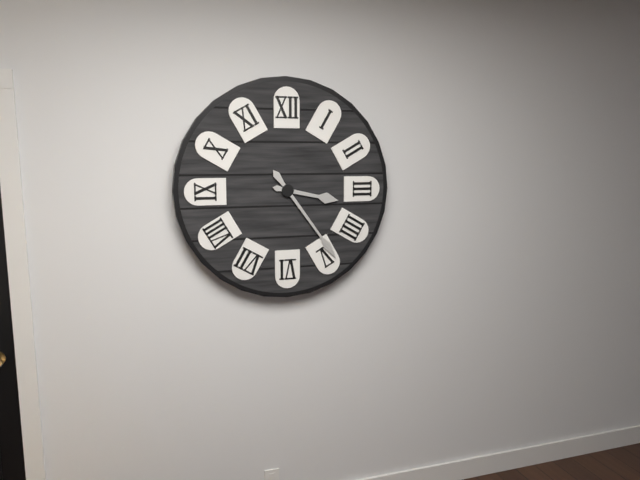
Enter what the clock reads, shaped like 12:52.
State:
3:24
